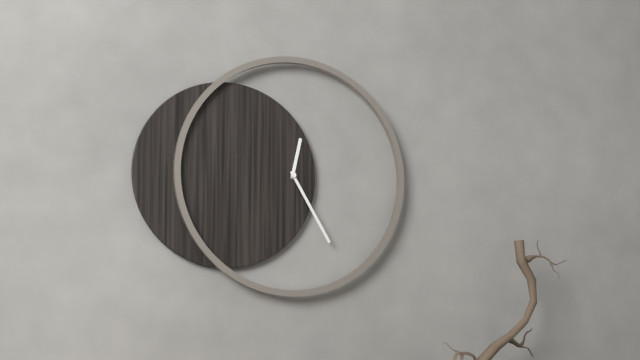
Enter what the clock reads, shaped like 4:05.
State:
12:25
